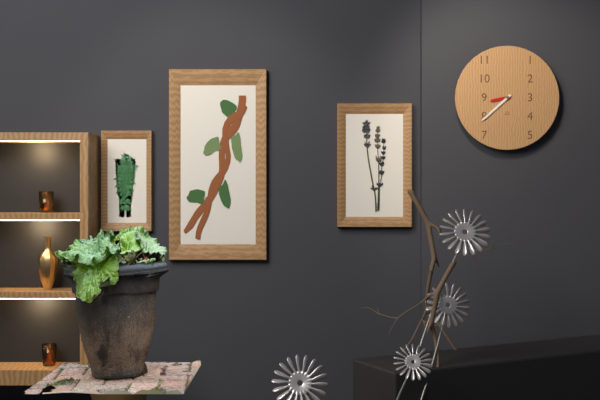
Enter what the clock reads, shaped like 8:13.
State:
8:38
